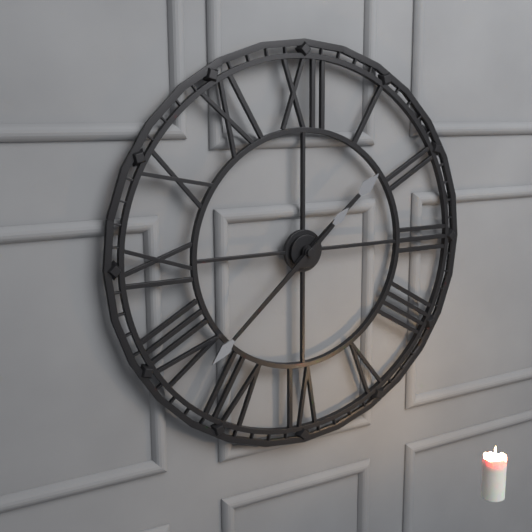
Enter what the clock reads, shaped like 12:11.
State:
1:38
